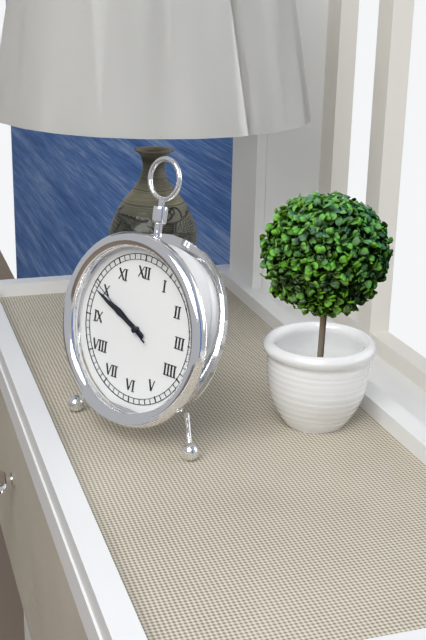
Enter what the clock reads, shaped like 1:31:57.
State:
9:49:50
